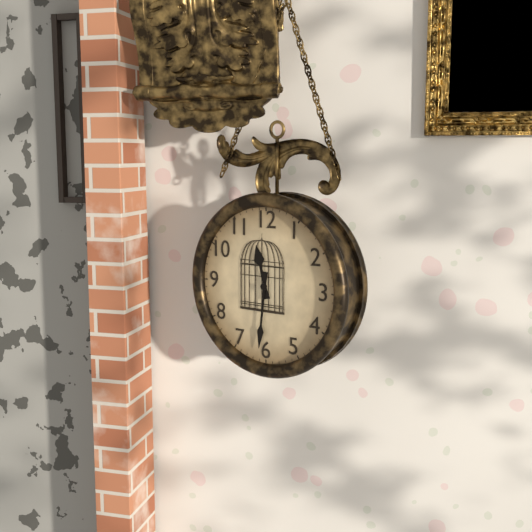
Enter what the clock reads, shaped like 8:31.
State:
11:31
